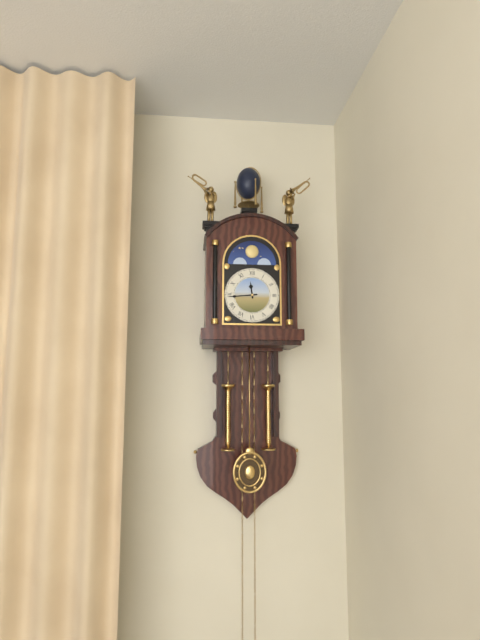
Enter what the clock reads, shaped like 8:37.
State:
11:44
